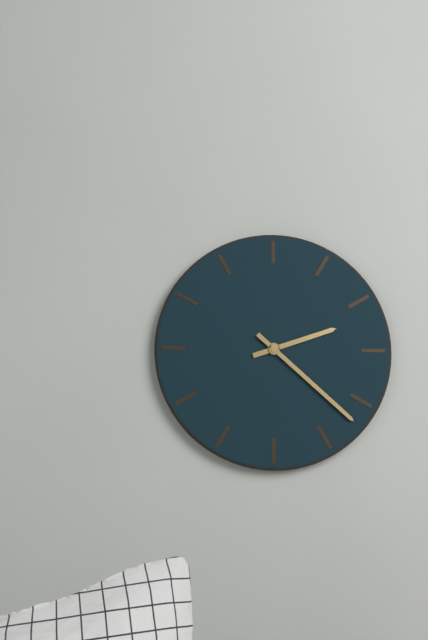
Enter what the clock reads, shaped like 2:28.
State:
2:22
